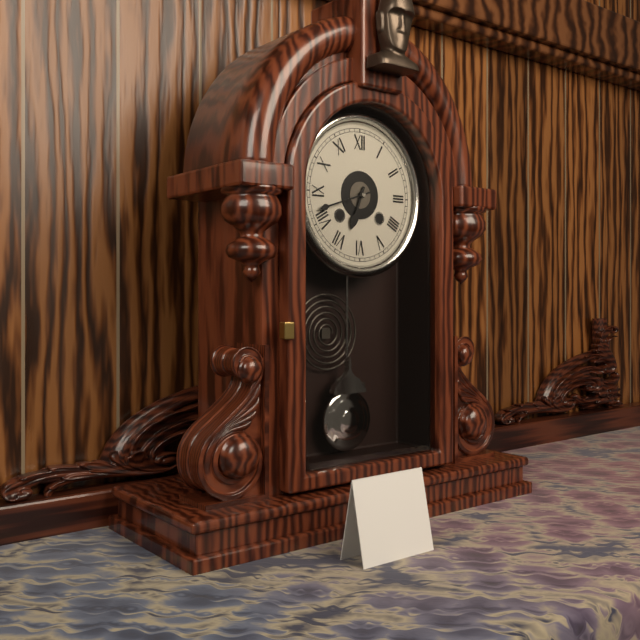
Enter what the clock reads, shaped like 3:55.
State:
6:42
